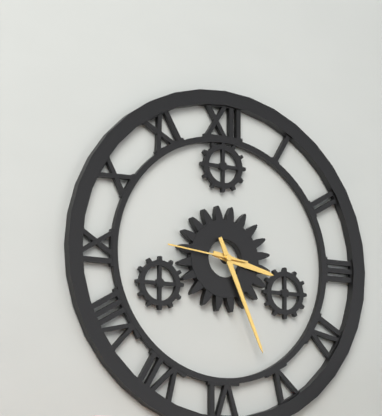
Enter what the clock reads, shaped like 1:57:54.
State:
3:26:46
